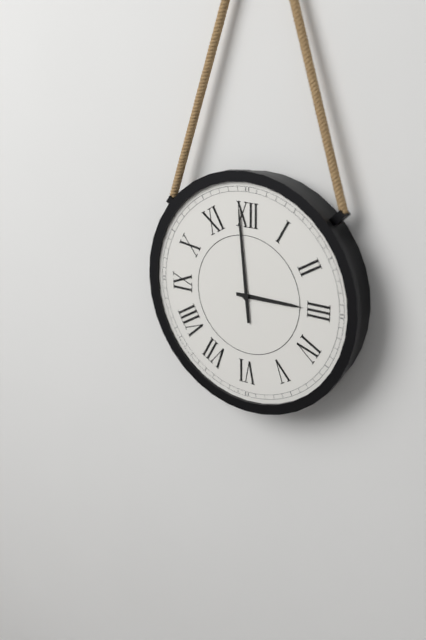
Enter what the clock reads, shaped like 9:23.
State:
2:59
